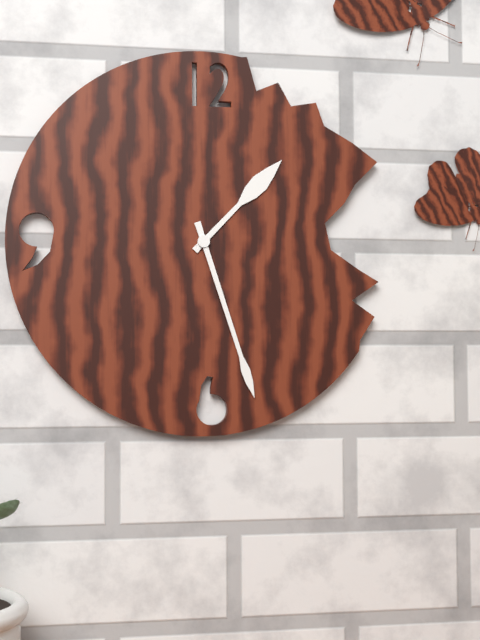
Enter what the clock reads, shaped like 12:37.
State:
1:27
